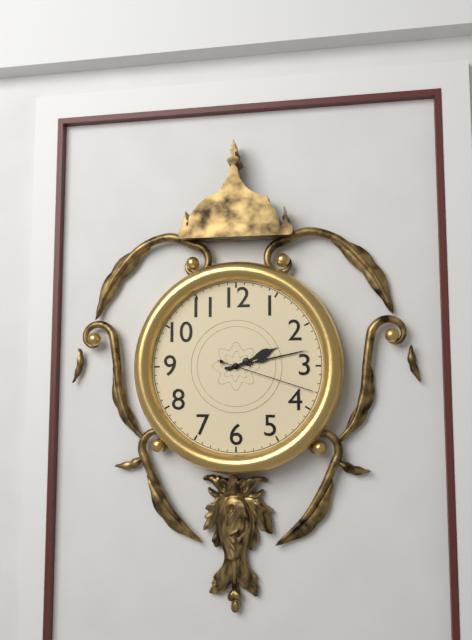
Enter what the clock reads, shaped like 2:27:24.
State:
2:13:18
